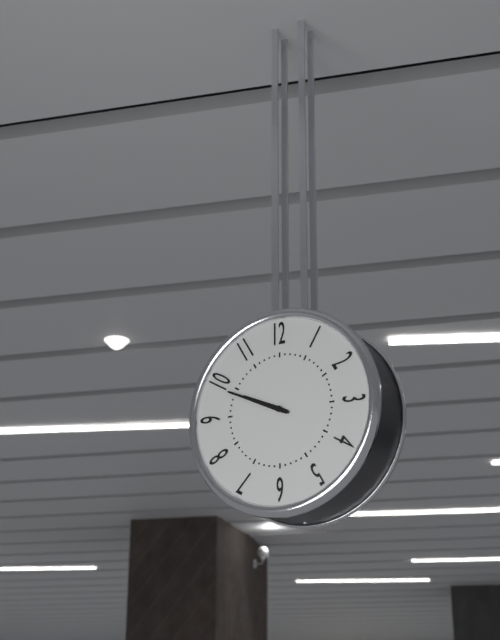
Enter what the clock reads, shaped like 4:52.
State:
9:49
